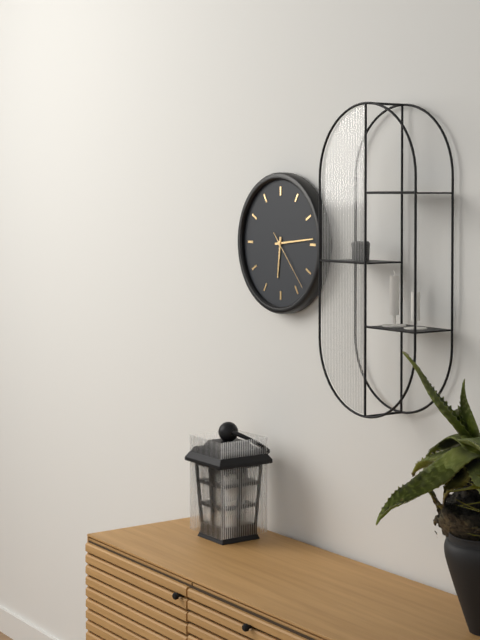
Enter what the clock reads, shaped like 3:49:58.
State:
6:14:23
